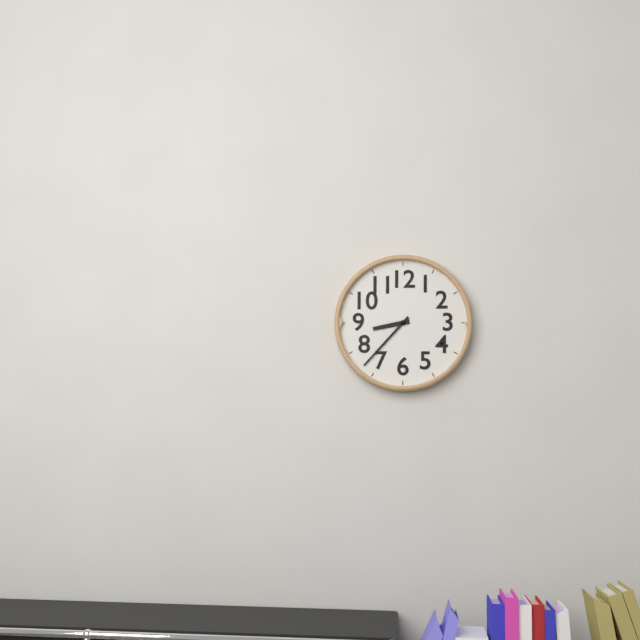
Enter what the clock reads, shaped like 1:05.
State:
8:37
